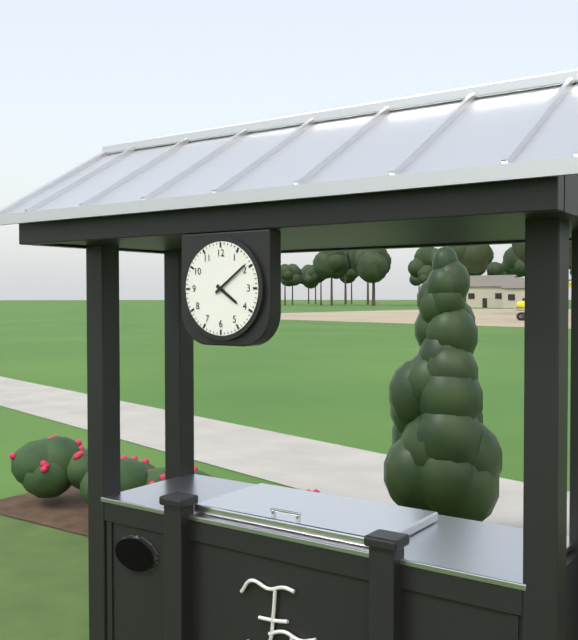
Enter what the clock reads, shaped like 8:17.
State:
4:09
